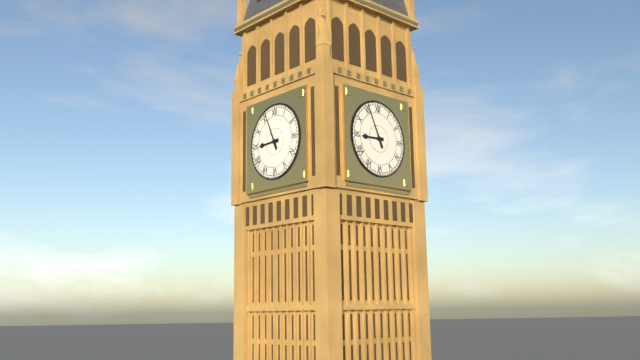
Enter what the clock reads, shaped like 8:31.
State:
8:56
